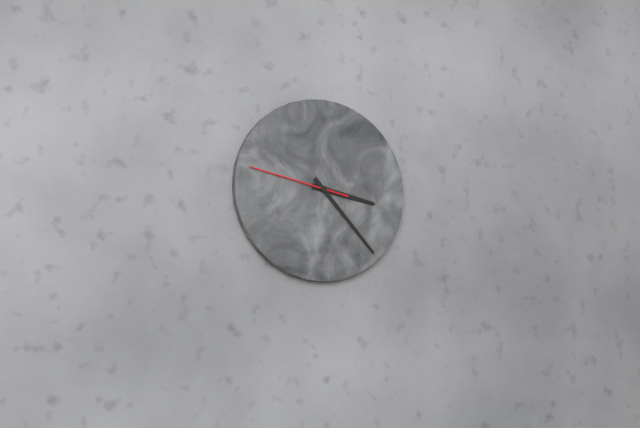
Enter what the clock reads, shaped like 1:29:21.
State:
3:23:47
